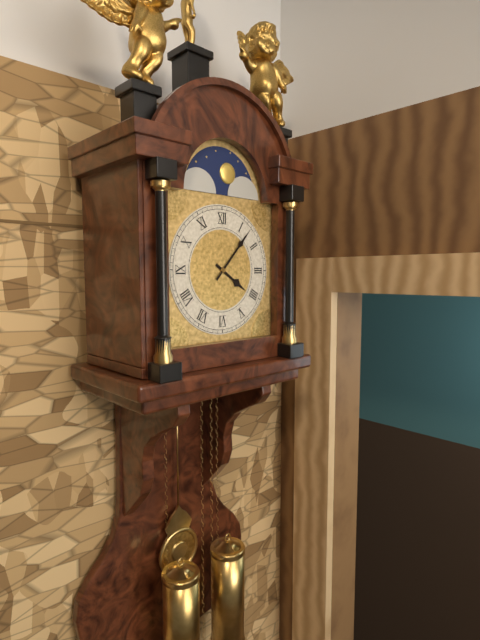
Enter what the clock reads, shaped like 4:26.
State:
4:07
